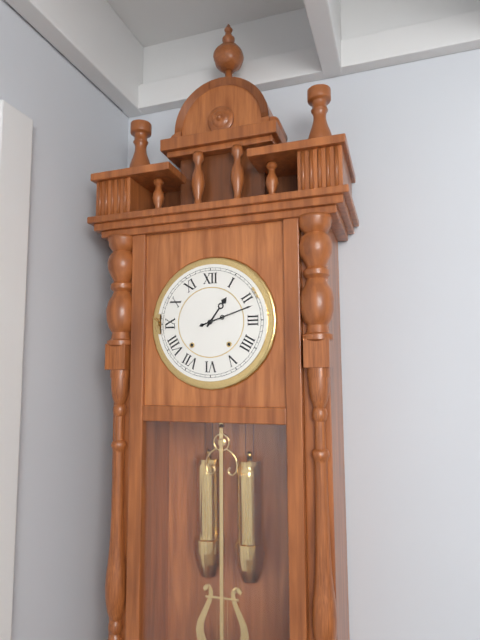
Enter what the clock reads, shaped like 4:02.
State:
1:12
